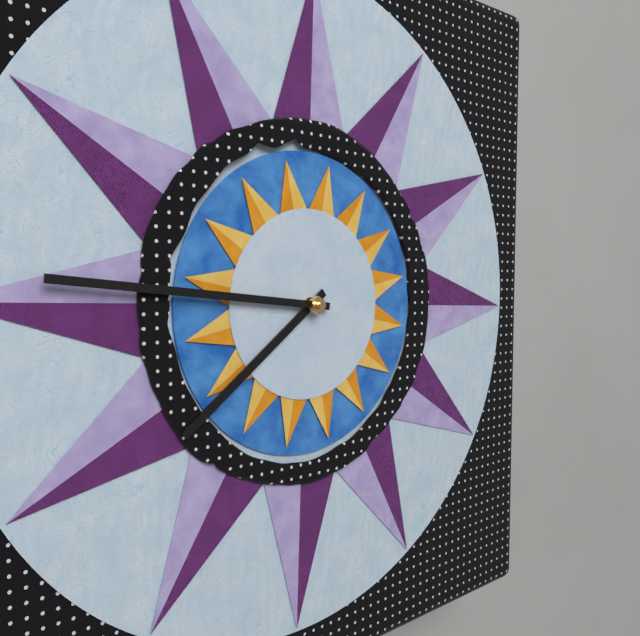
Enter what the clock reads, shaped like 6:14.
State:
7:46
